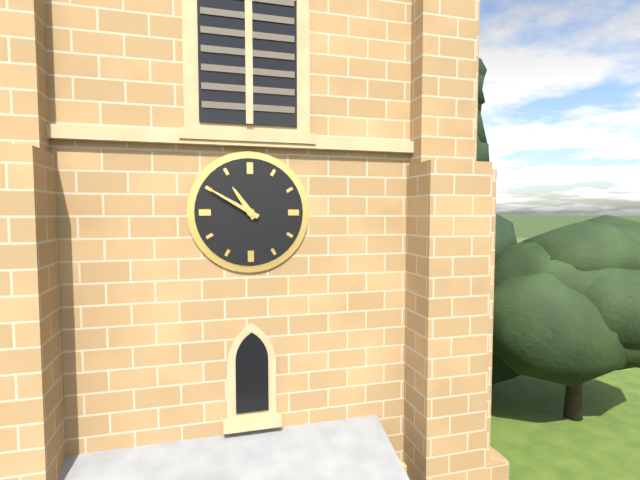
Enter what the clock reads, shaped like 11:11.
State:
10:50
